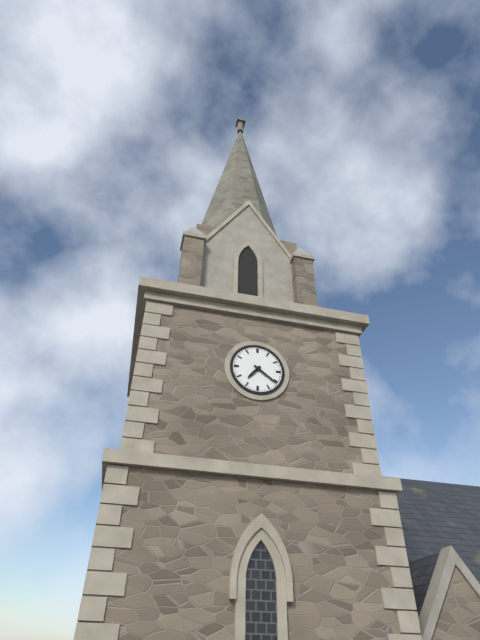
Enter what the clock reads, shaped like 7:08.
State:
7:21
